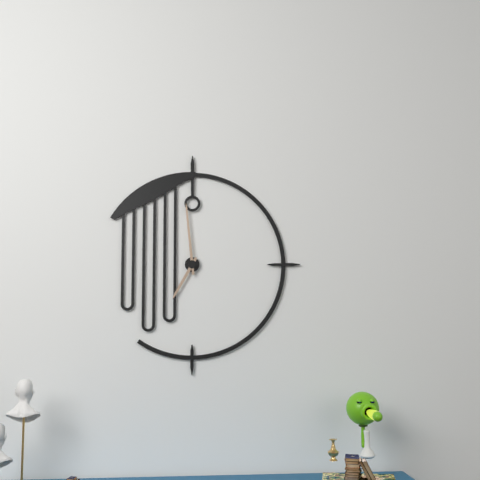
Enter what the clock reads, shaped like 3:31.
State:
6:59
